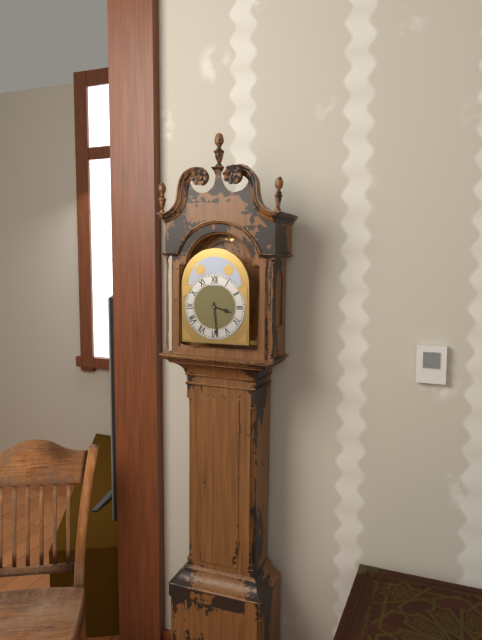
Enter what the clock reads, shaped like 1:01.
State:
3:29
